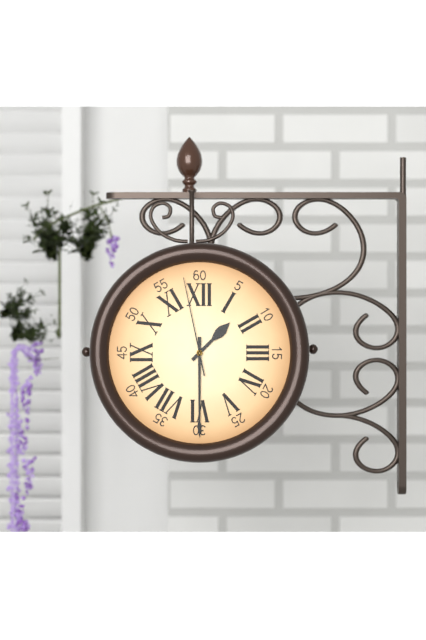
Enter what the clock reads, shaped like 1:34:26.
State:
1:30:58
